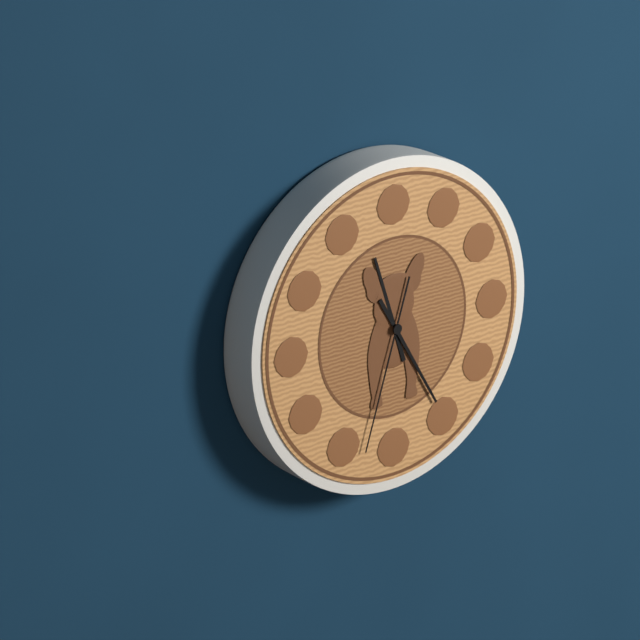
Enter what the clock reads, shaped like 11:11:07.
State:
11:25:33
